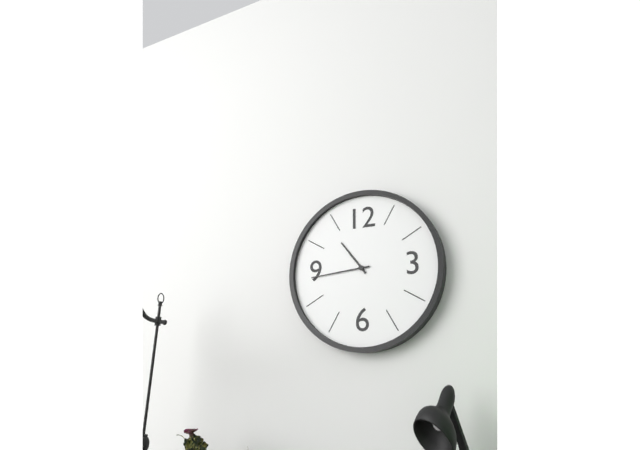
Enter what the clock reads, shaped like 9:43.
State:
10:44
